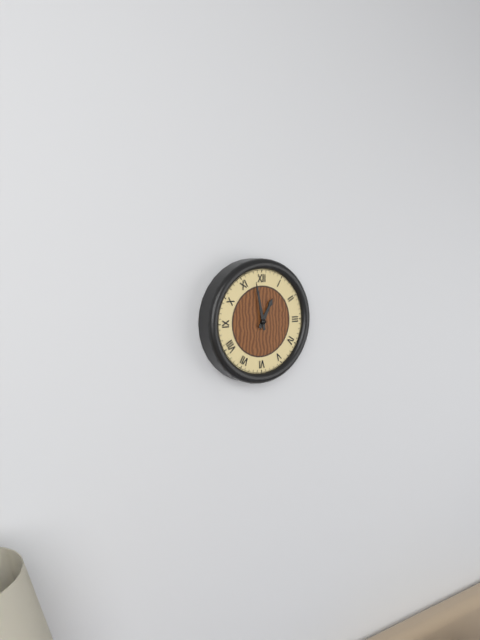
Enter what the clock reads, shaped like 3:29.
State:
12:58
